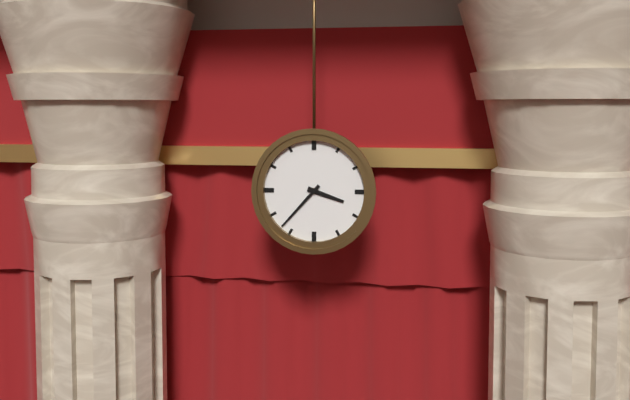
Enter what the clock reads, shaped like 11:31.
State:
3:37
